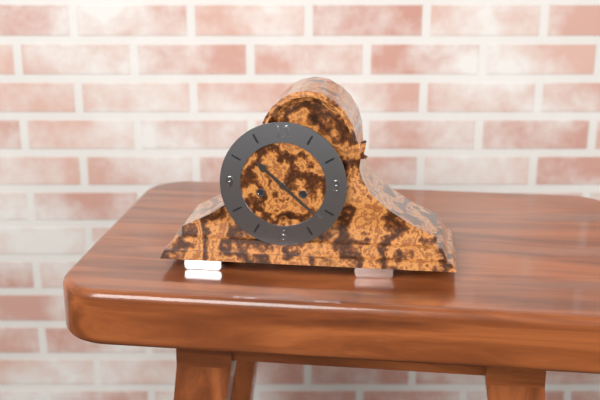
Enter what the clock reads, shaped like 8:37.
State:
10:22
